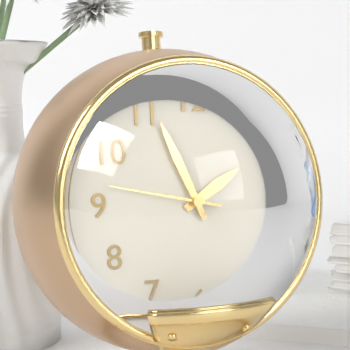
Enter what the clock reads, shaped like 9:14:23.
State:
1:56:47
